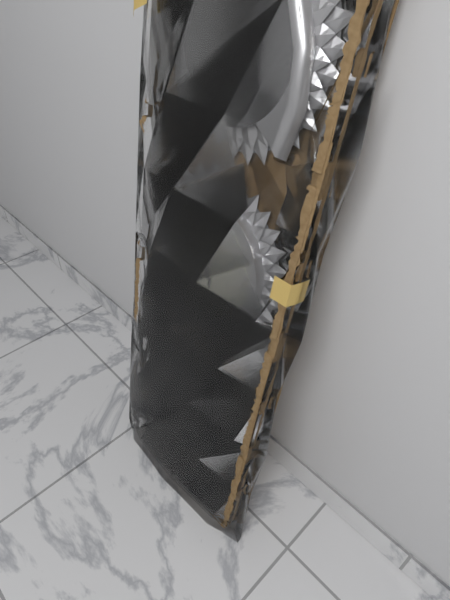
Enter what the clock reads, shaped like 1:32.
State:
2:32
